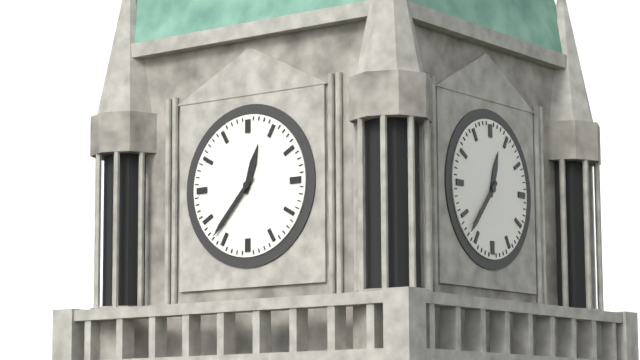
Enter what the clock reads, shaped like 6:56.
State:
12:37
